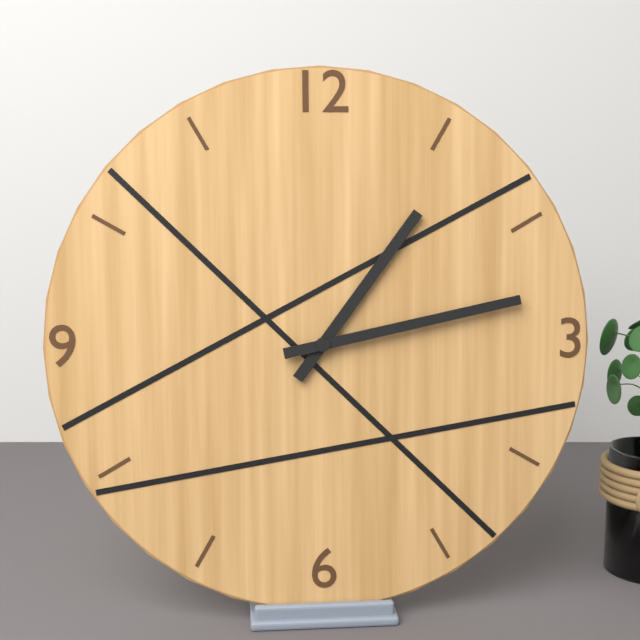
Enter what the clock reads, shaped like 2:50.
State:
1:13
